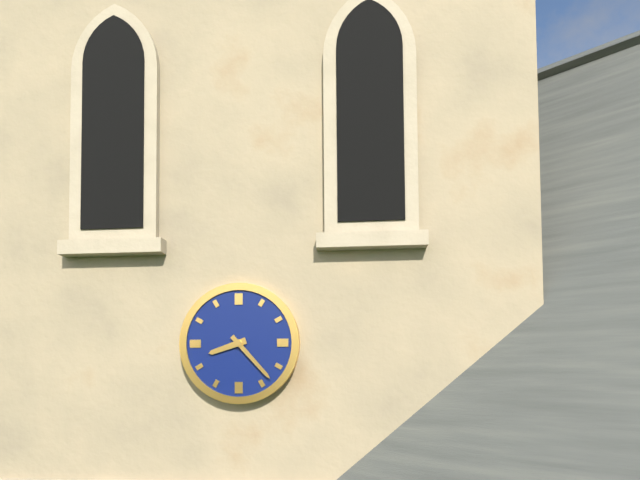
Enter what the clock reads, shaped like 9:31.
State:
8:23
